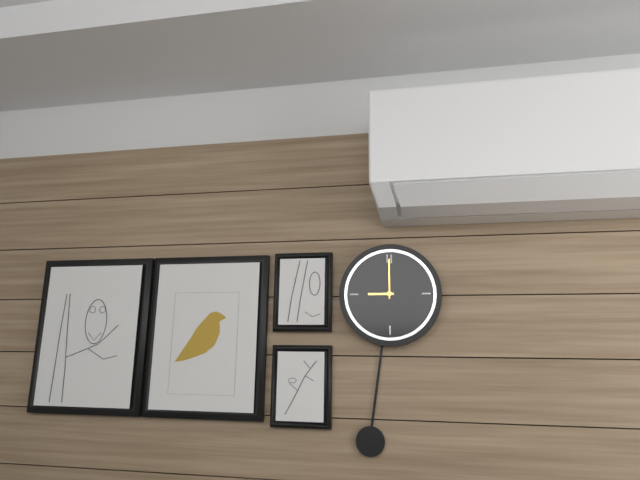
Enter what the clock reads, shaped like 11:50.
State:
9:00
